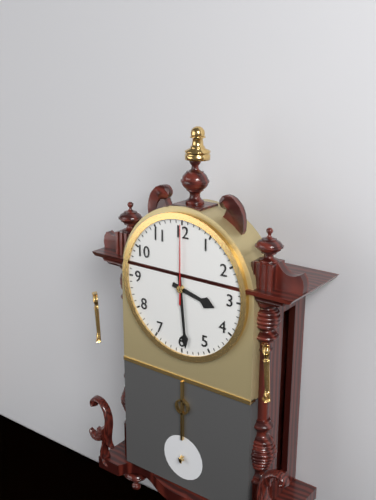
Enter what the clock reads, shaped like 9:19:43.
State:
3:29:00
